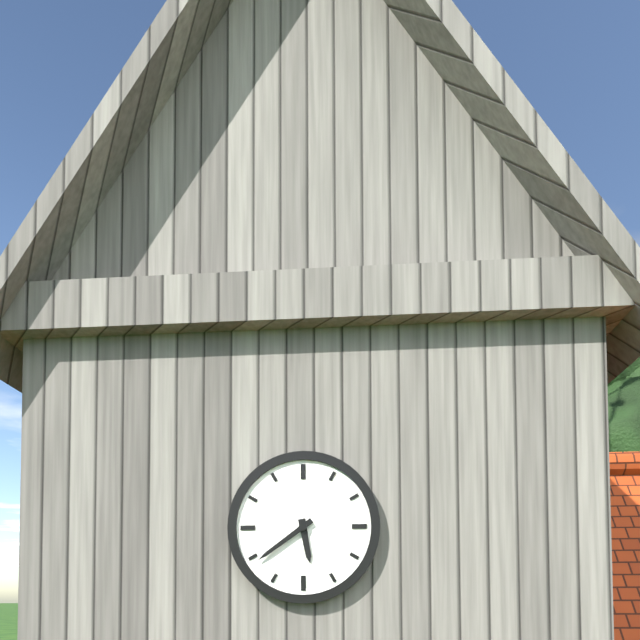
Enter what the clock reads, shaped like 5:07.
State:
5:39
